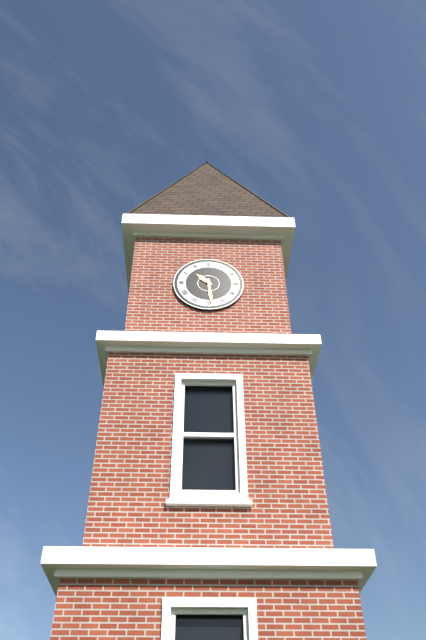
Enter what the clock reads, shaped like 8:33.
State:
10:29
